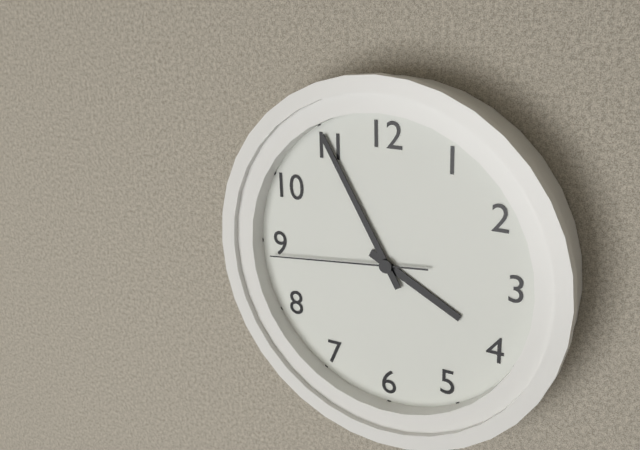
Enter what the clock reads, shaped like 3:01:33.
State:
3:55:44
